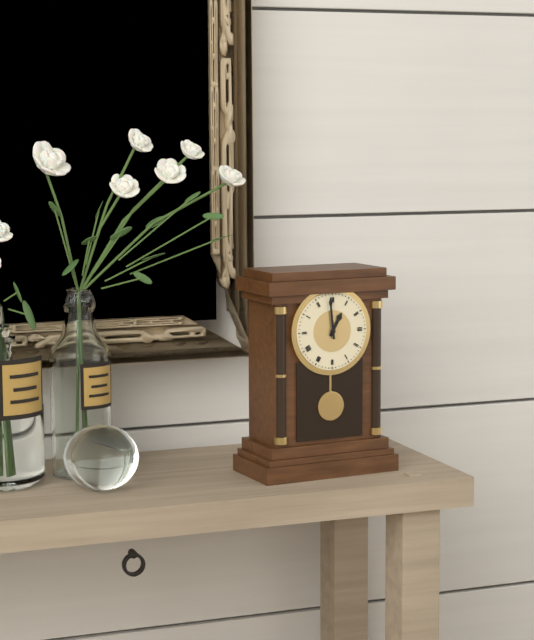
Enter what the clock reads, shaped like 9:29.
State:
12:59
